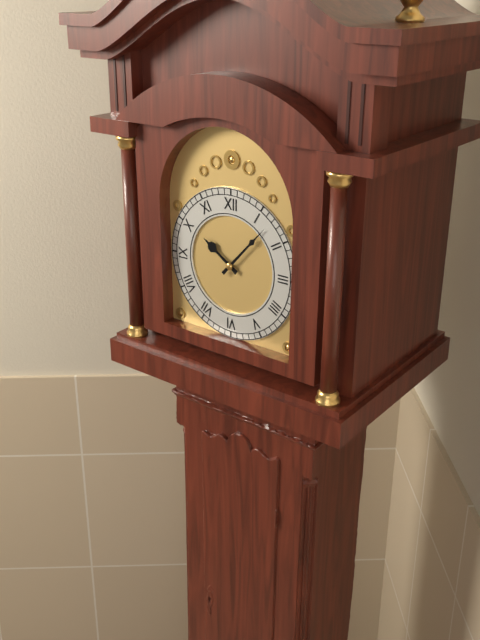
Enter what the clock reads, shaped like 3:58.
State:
10:07
